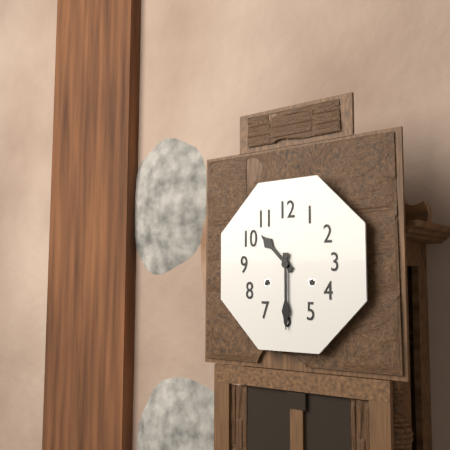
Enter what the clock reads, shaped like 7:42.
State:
10:30
